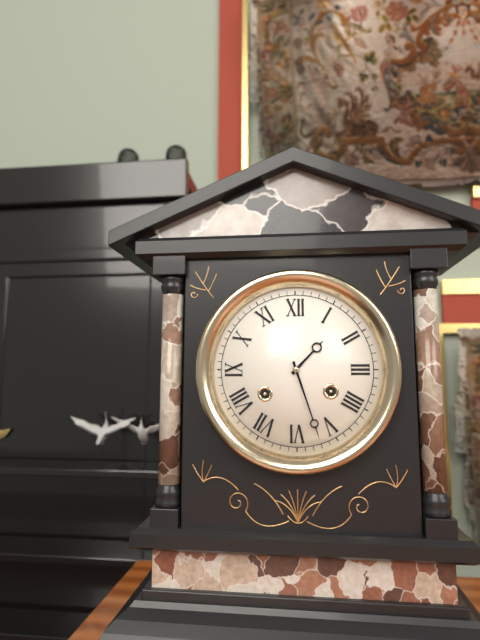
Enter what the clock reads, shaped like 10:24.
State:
1:27
